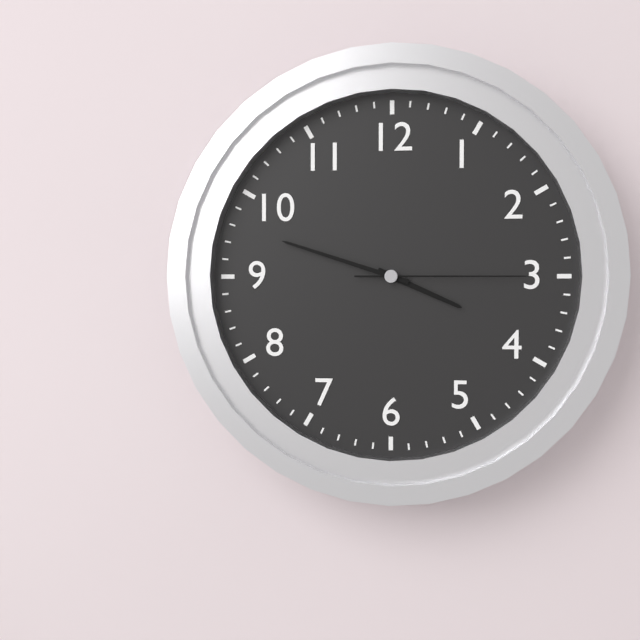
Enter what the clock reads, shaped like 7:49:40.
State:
3:48:15
